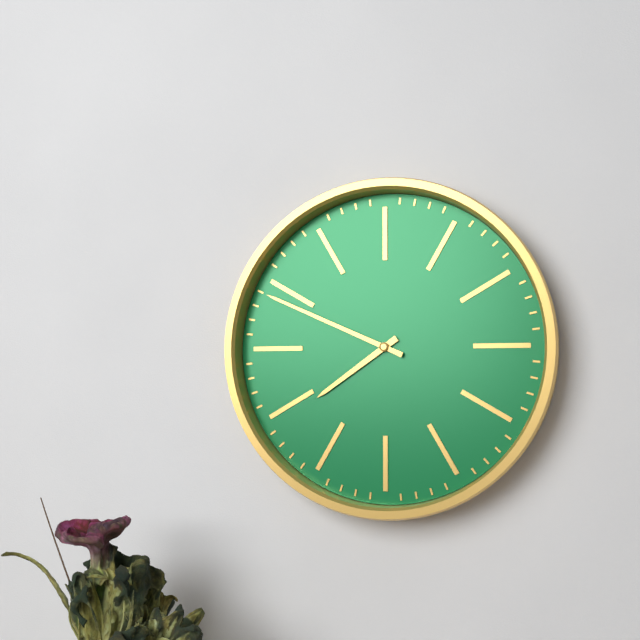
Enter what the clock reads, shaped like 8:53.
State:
7:49
